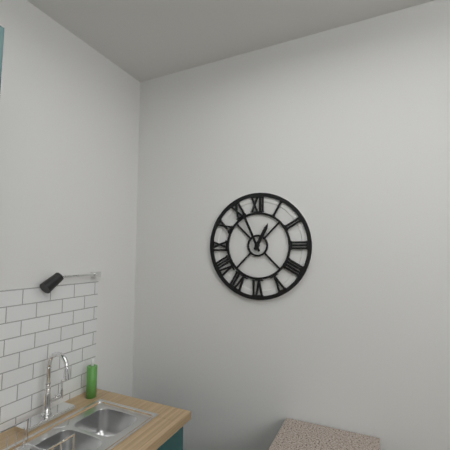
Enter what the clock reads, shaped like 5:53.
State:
12:56
